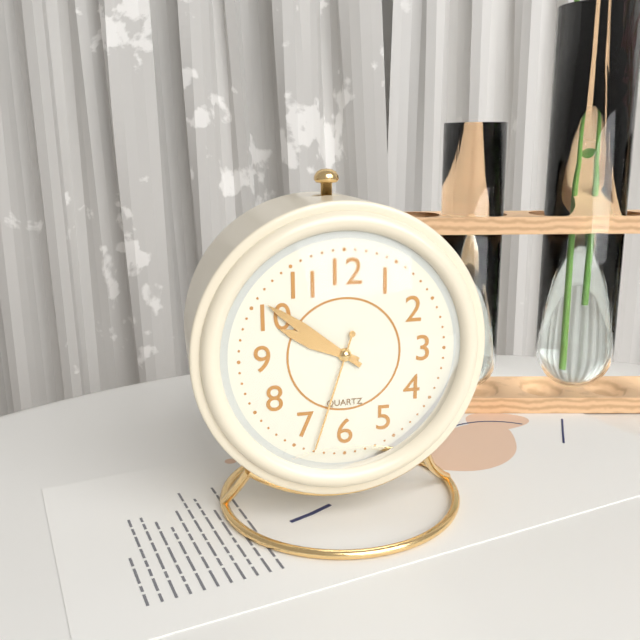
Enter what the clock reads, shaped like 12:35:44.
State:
9:51:33
